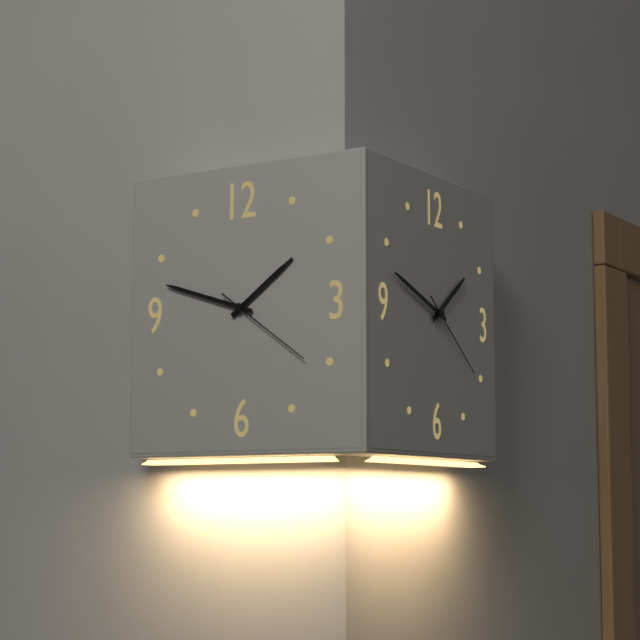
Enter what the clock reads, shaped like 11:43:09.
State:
1:48:21
